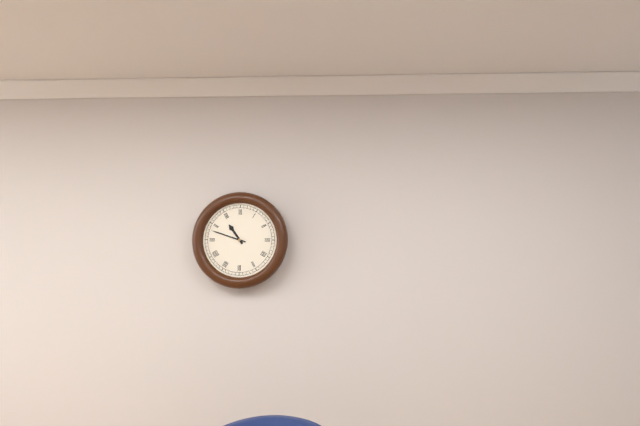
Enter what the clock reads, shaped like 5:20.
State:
10:48
